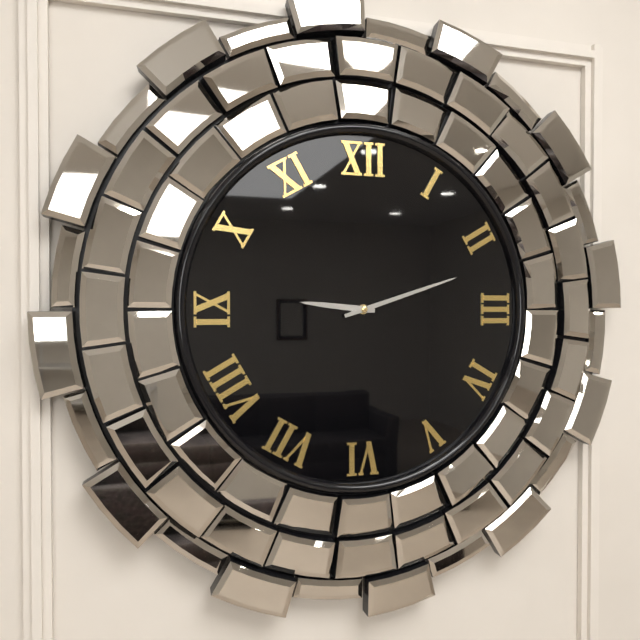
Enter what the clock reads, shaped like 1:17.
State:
9:12
